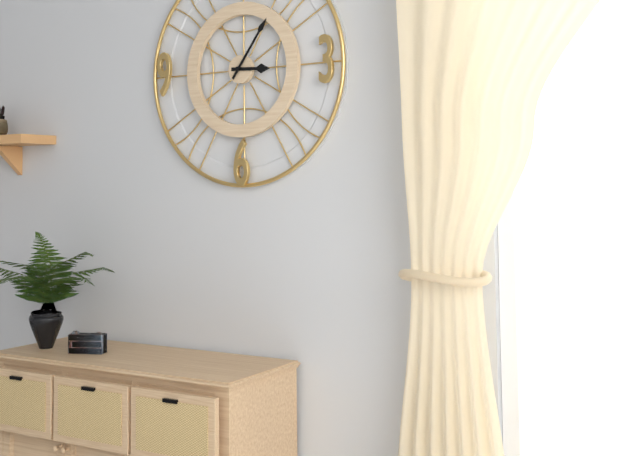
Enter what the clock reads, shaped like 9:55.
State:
3:06
